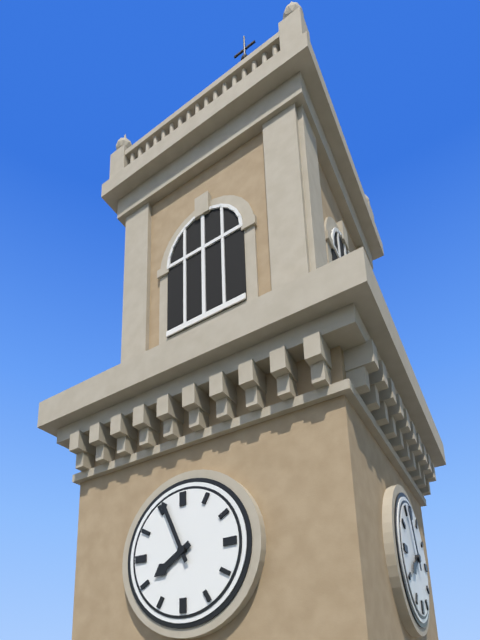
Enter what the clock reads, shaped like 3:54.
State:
7:56
